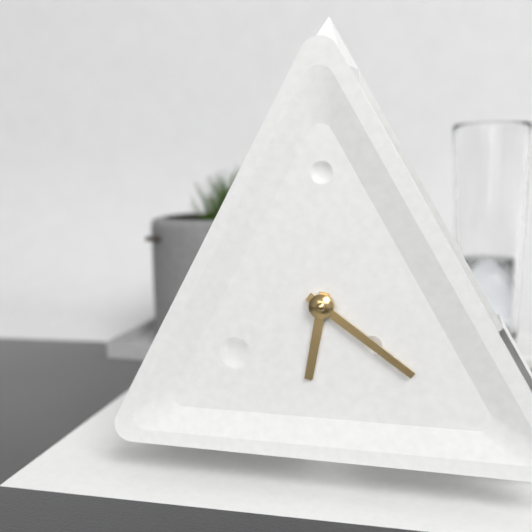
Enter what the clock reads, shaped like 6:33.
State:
6:21
